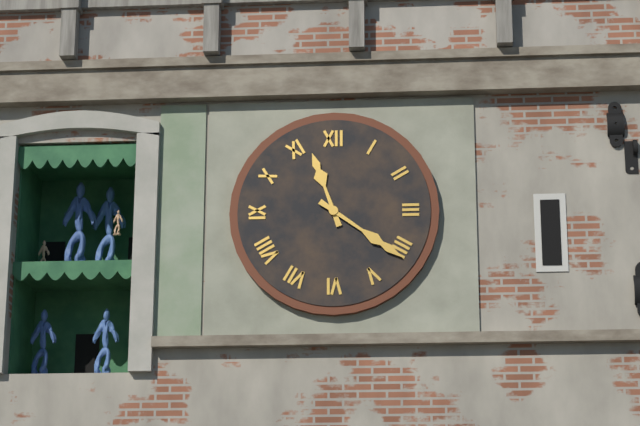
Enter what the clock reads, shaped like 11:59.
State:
11:21
